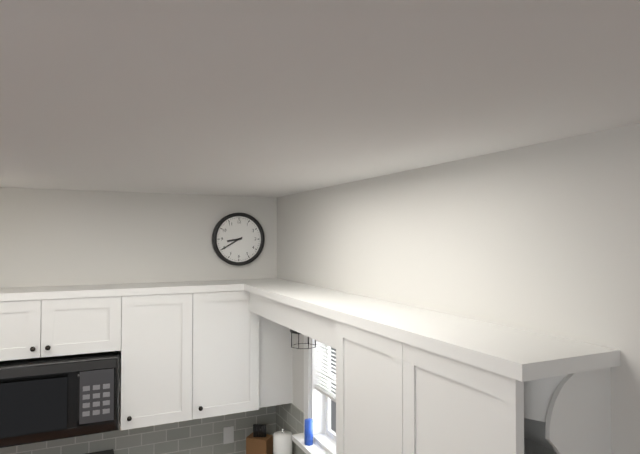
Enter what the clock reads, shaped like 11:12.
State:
8:40
